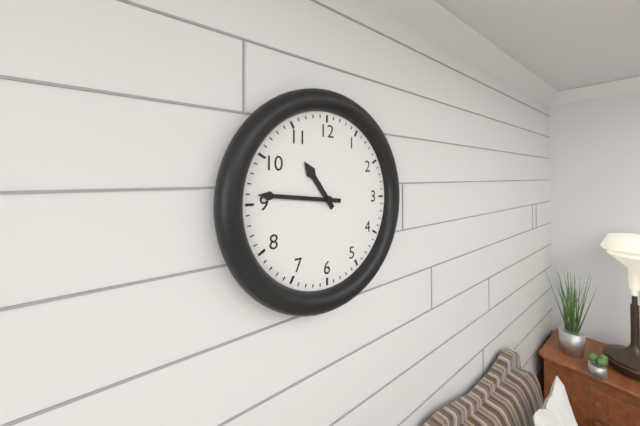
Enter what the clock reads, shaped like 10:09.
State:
10:46
